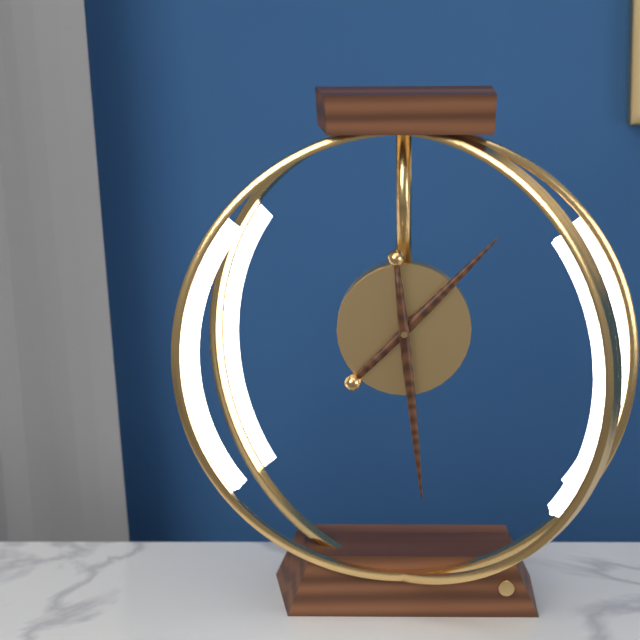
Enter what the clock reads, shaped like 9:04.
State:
1:29
